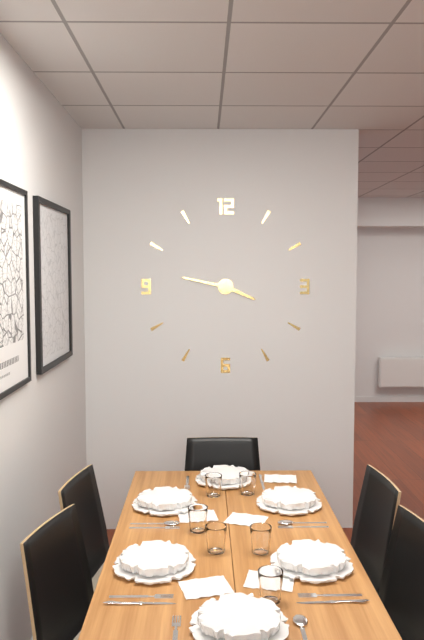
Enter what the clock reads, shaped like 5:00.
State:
3:47
